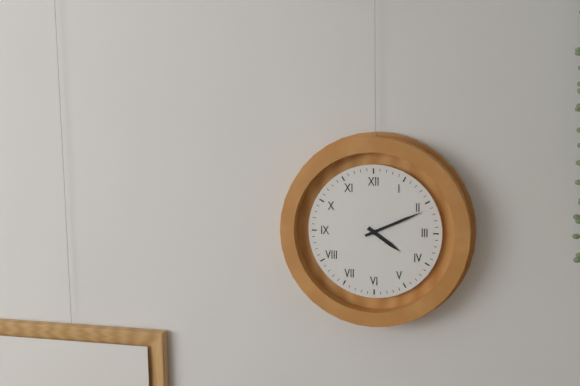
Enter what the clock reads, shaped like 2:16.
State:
4:11
